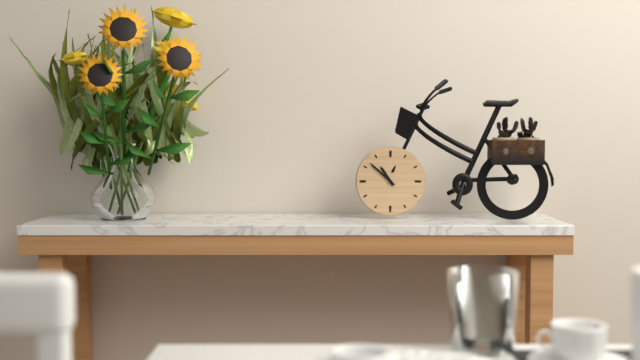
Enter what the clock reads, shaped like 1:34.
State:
10:52
